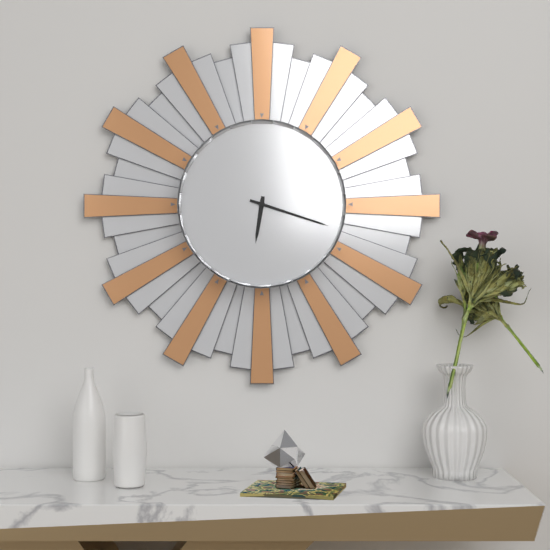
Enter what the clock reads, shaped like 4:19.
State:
6:18
